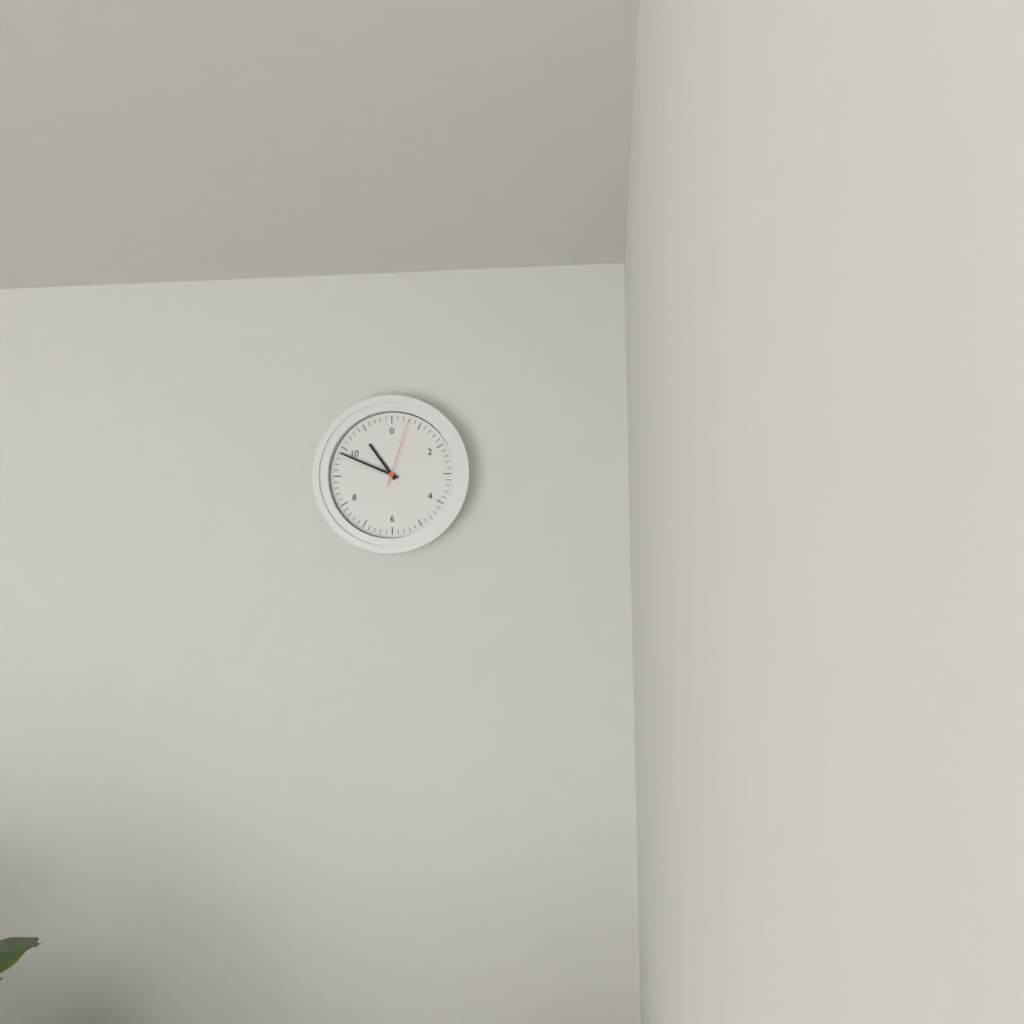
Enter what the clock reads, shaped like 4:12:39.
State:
10:49:03
